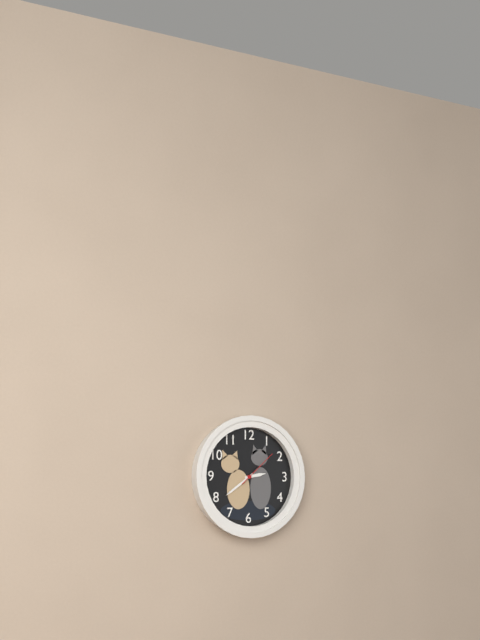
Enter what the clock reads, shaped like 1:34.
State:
2:39
